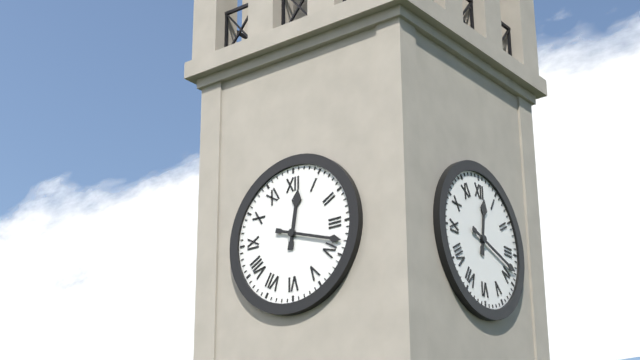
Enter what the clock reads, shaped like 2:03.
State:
12:18
